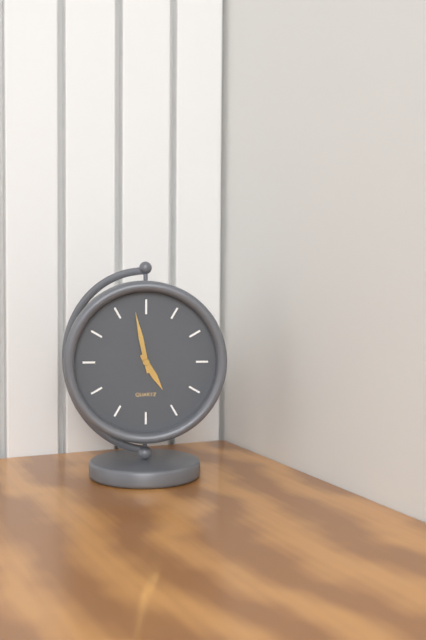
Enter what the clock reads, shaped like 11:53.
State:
4:58
